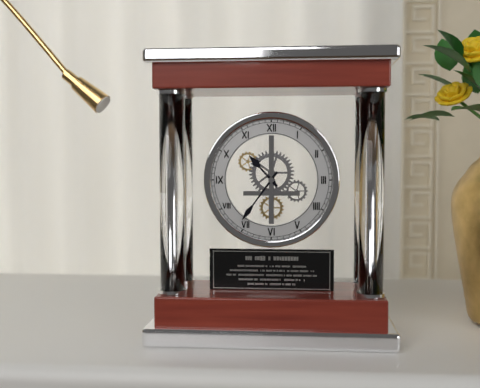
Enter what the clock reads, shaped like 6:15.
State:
10:36
